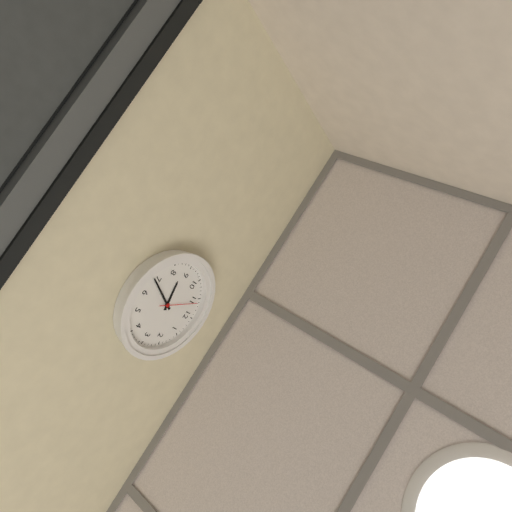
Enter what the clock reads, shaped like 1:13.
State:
8:34
